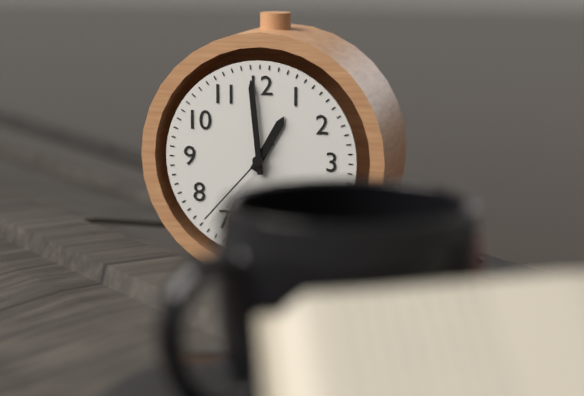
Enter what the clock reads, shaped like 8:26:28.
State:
12:59:37
